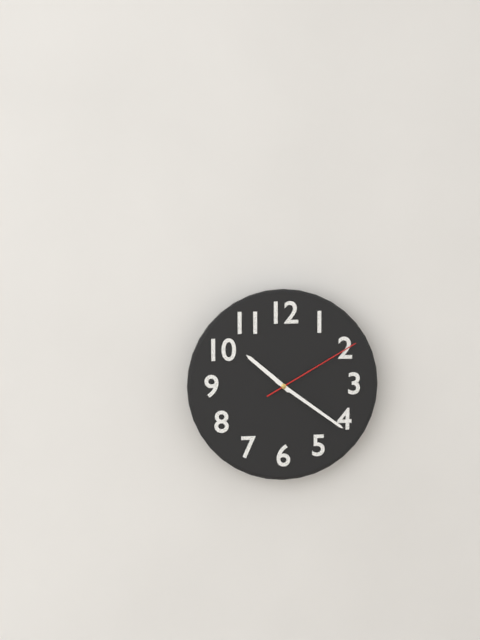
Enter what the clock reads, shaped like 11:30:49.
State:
10:21:10
